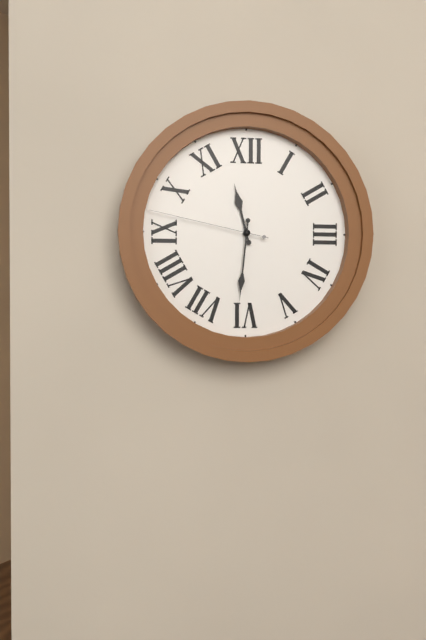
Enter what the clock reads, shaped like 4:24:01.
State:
11:31:47
